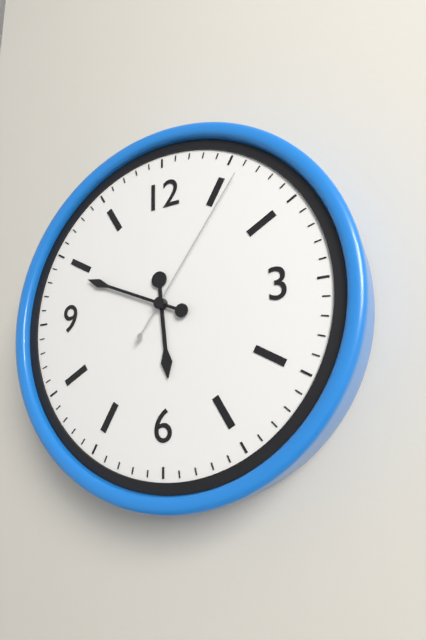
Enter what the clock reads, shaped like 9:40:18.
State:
5:49:06
